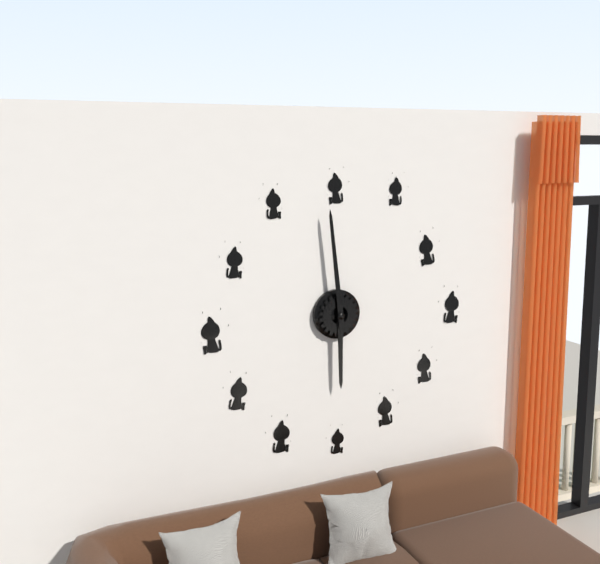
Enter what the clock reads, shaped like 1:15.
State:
5:59
